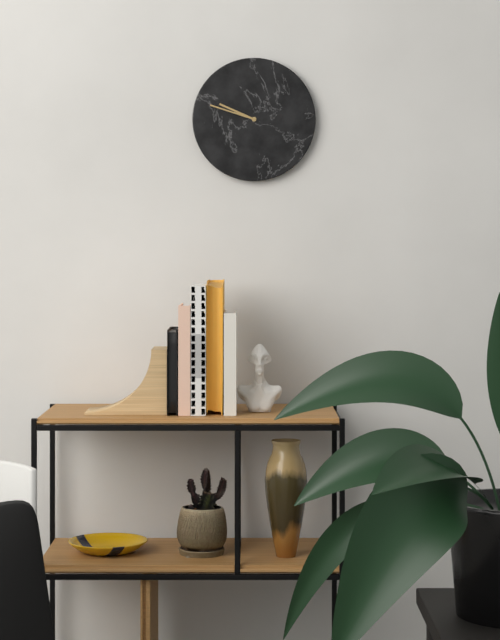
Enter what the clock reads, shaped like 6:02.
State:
9:48
